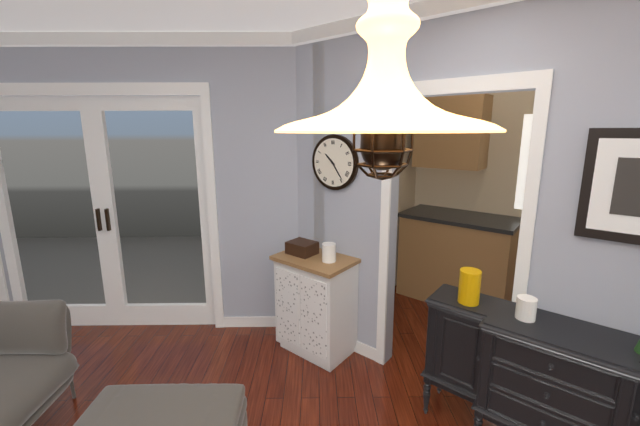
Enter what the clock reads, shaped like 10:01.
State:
10:24
